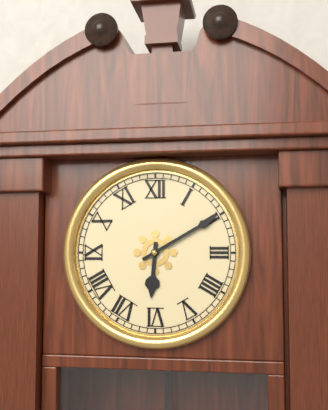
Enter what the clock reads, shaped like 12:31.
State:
6:10
